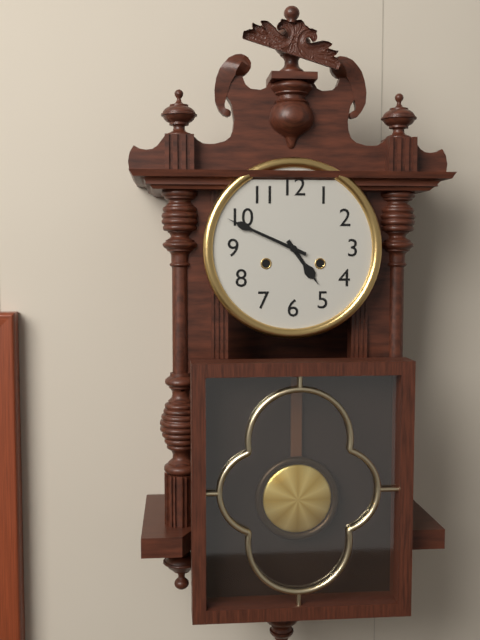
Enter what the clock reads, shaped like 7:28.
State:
4:49
